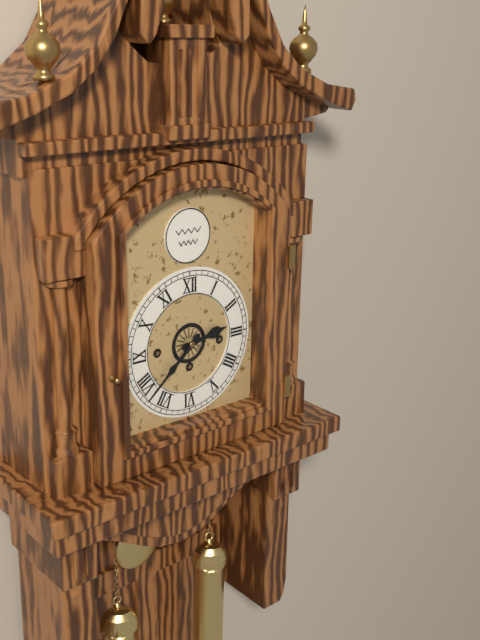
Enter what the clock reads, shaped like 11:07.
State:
2:38
